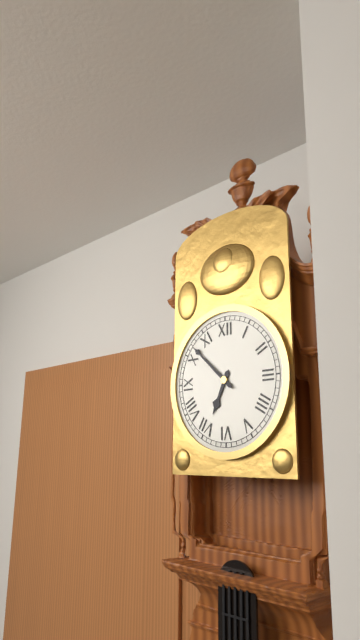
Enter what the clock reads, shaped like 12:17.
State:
6:52
